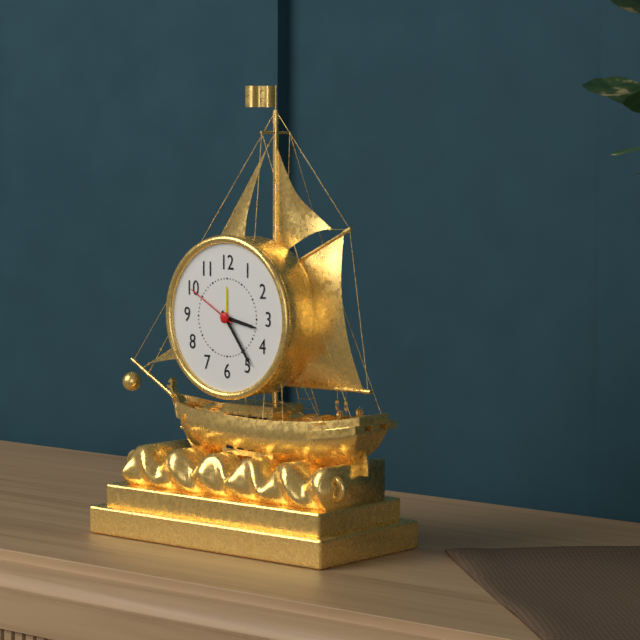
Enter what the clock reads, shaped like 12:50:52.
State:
3:24:50
